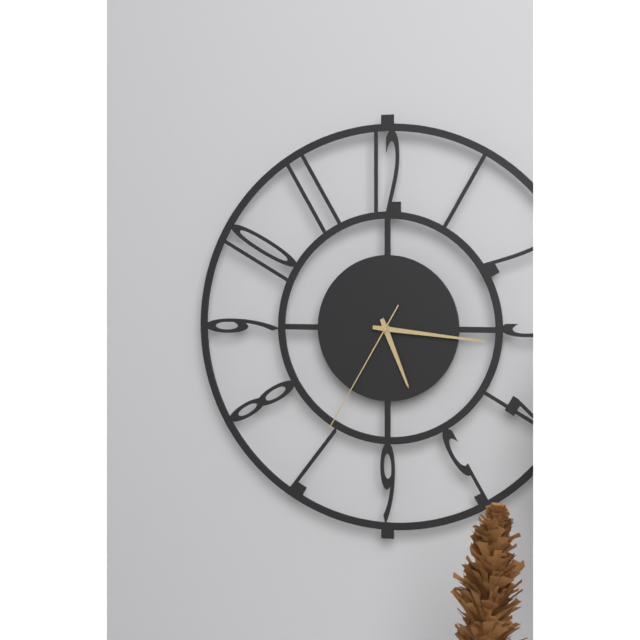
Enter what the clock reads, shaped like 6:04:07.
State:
5:16:35
